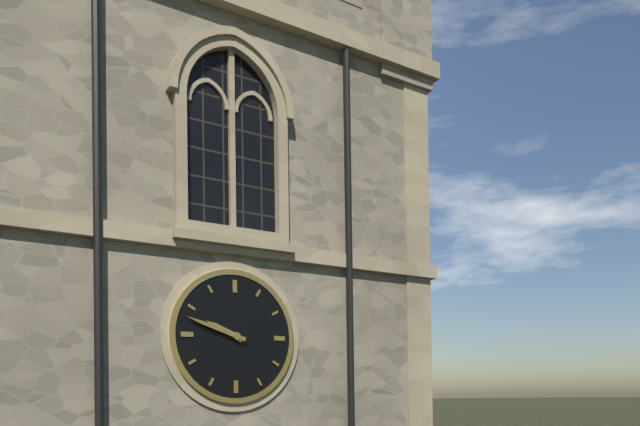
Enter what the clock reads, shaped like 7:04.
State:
9:48
